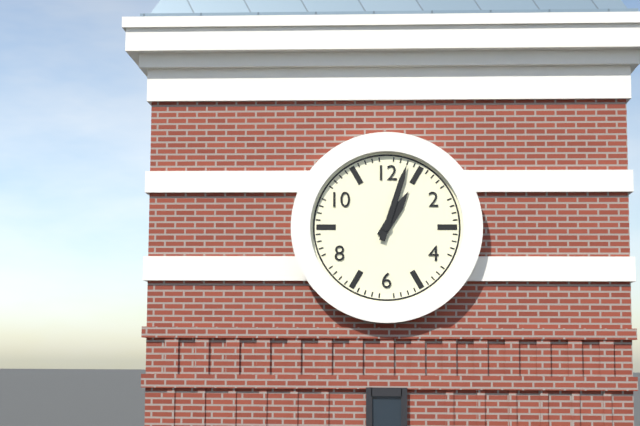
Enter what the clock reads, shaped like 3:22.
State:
1:03
